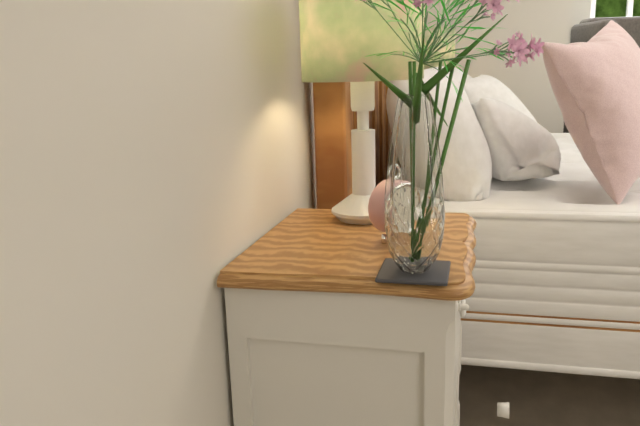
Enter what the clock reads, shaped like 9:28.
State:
10:32
